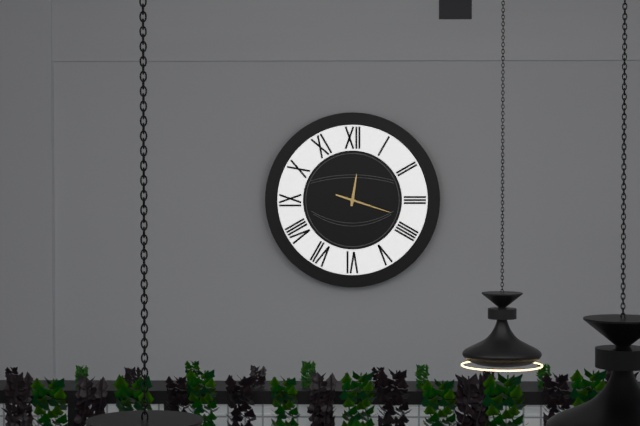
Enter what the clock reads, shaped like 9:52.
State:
12:18
